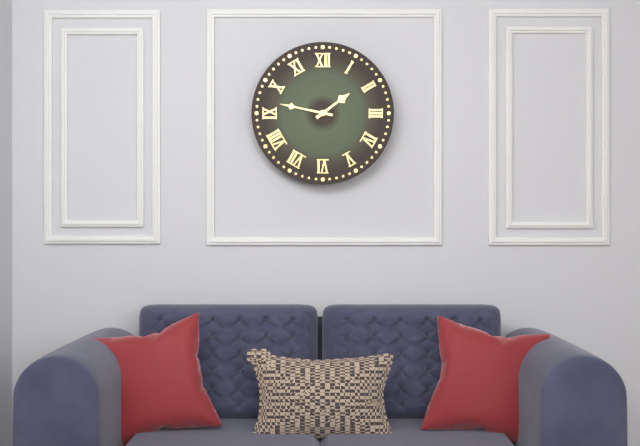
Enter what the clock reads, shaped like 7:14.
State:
1:47
